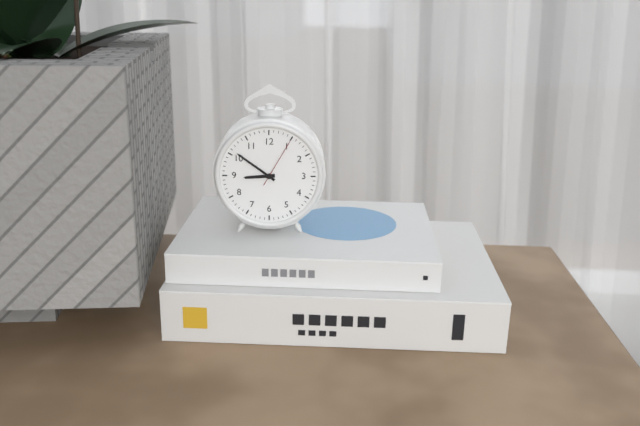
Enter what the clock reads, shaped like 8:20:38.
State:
8:51:05
